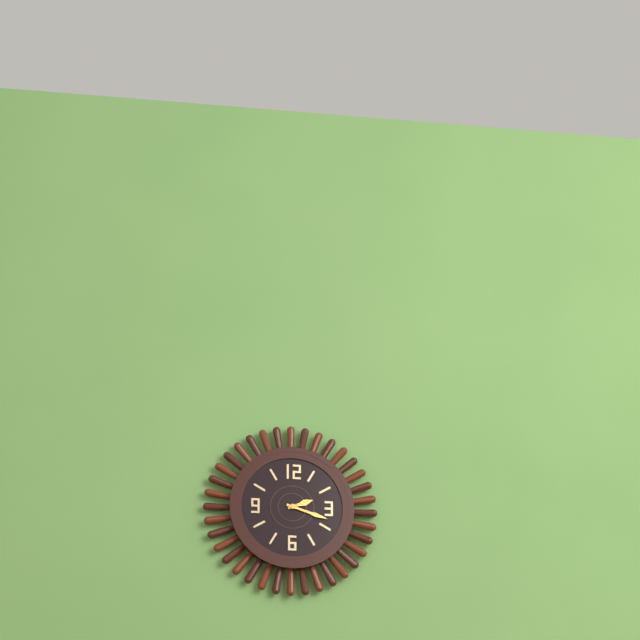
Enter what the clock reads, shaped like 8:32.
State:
2:18
